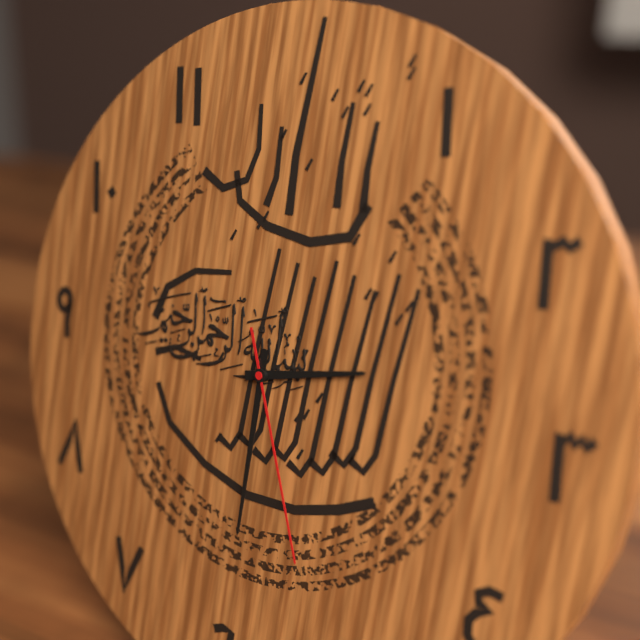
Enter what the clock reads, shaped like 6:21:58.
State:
2:30:26
